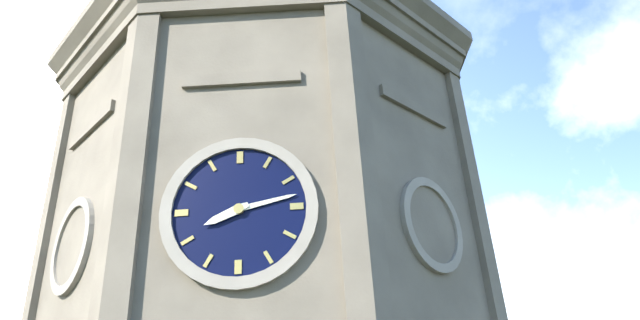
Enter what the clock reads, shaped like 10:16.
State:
8:13
